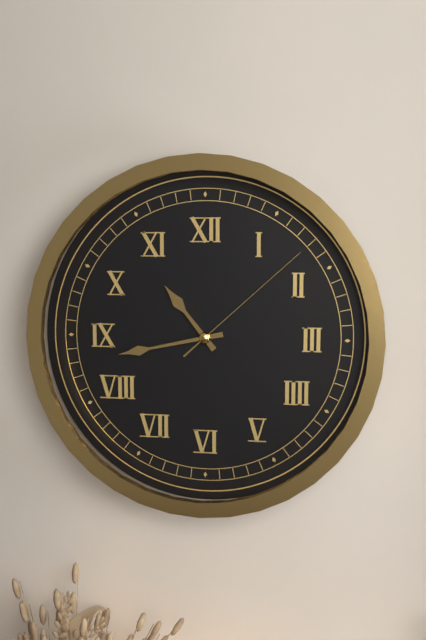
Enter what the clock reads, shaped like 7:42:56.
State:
10:43:08
